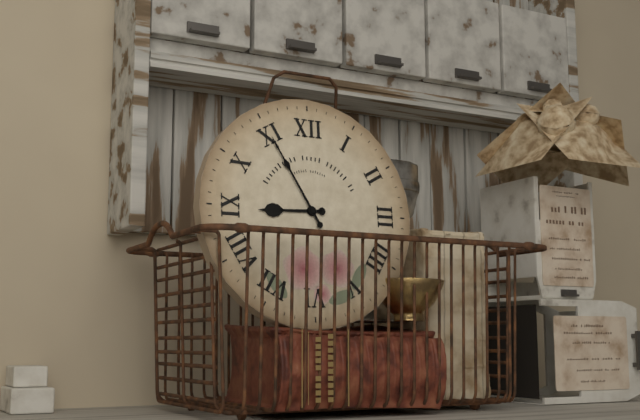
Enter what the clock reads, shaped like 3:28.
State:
8:55
